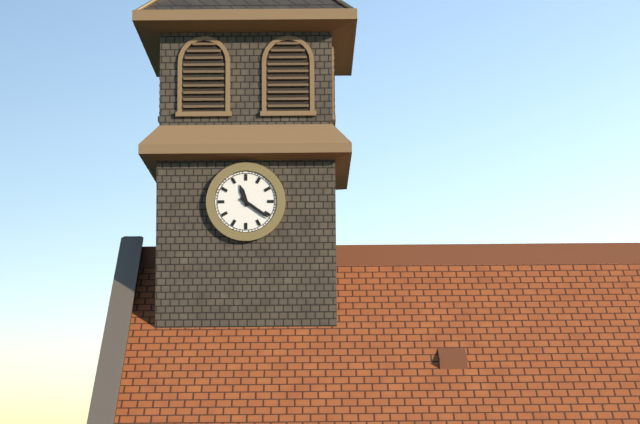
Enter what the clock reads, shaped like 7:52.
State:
11:21
